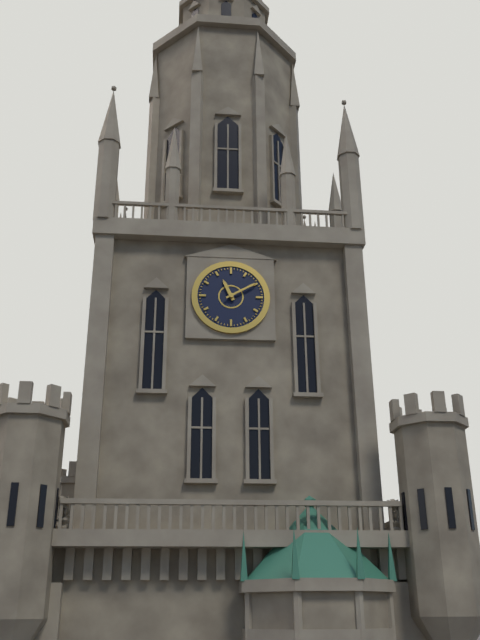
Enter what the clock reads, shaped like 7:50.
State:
11:10
